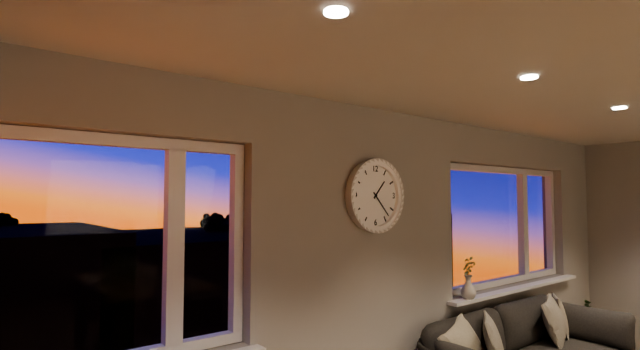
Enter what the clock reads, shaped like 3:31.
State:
1:23
